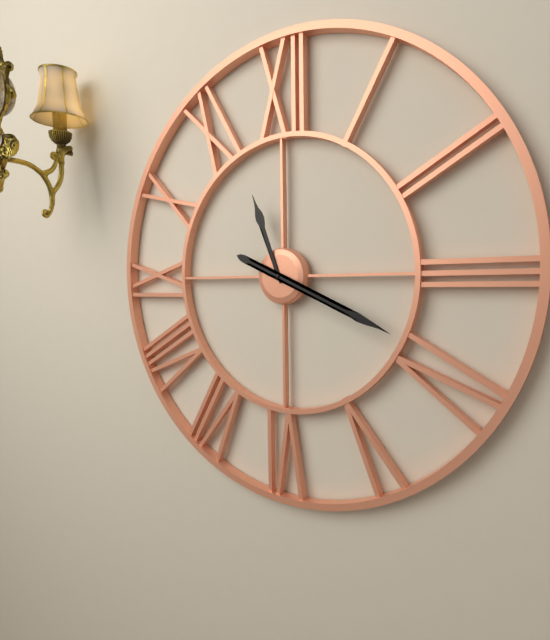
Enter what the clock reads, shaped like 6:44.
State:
11:19
